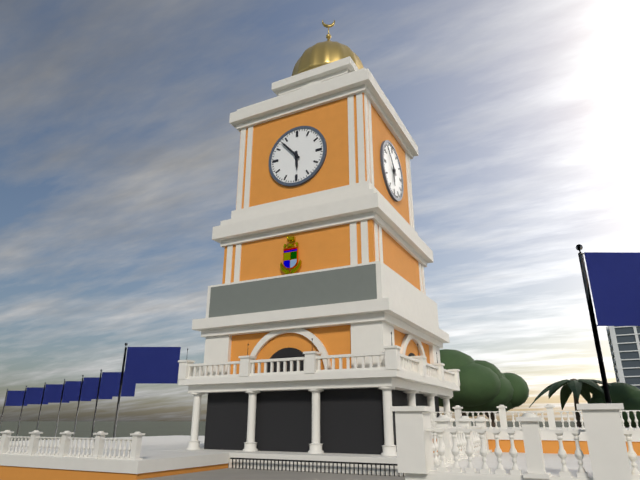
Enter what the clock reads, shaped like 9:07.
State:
5:53
